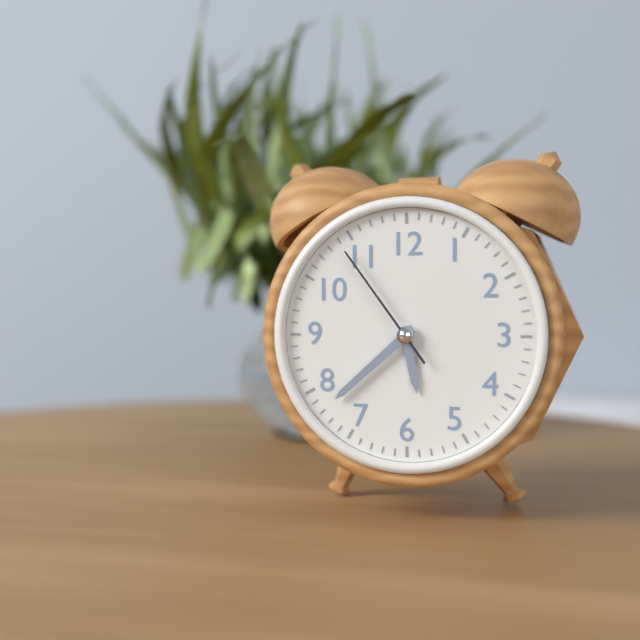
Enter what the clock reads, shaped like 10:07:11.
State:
5:38:54
